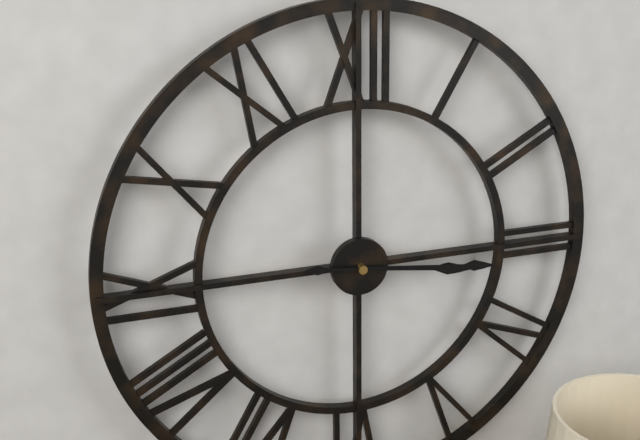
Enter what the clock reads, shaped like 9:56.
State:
3:16
